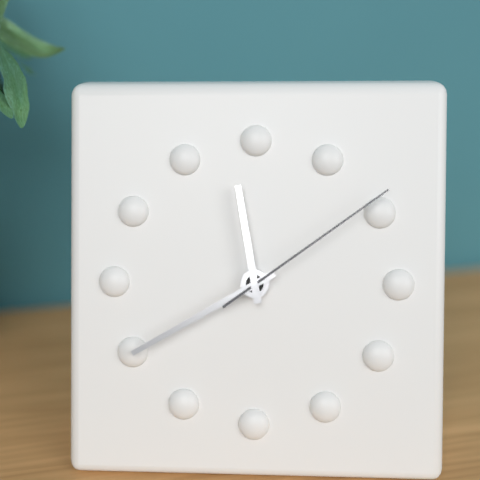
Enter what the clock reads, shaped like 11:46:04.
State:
11:40:09
